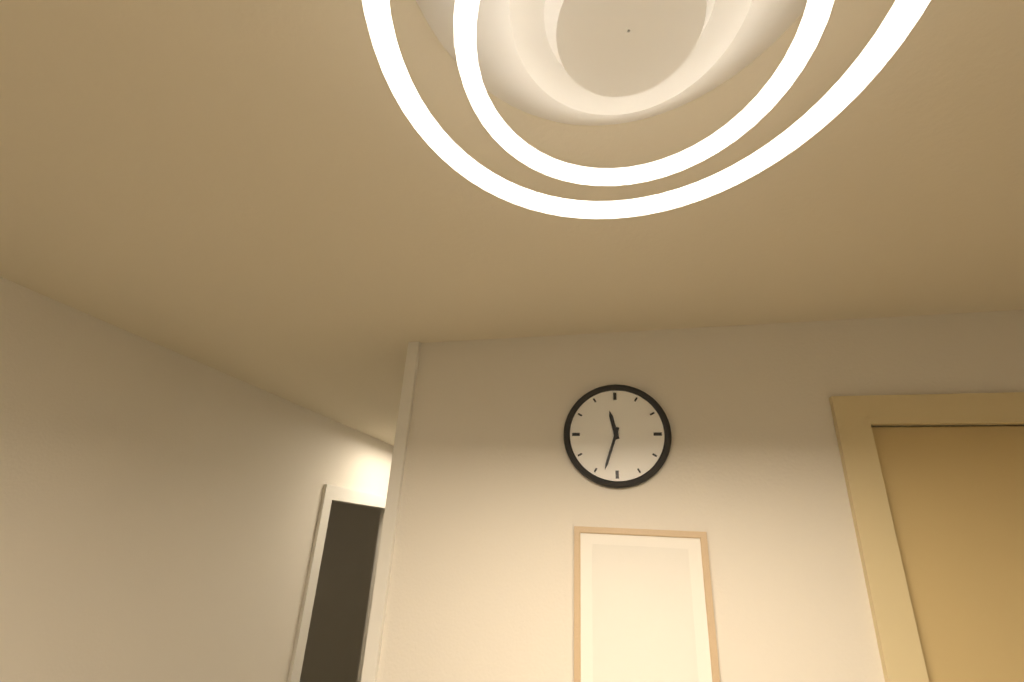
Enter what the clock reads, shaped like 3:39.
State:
11:33
